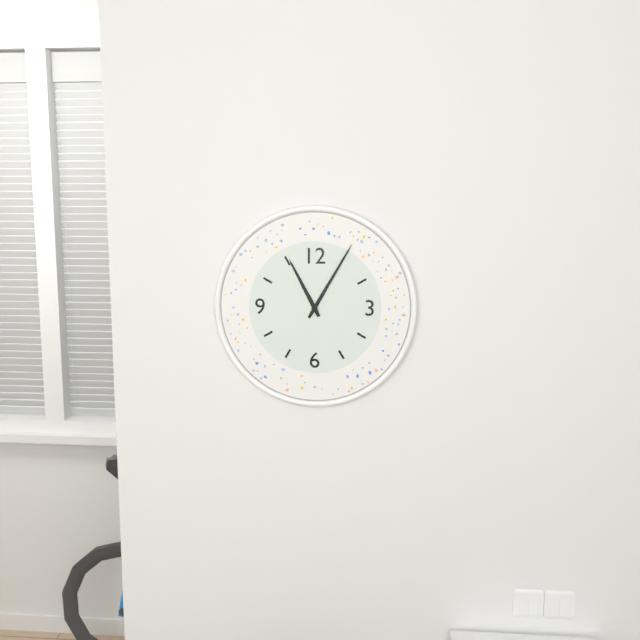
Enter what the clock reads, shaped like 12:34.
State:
11:05
